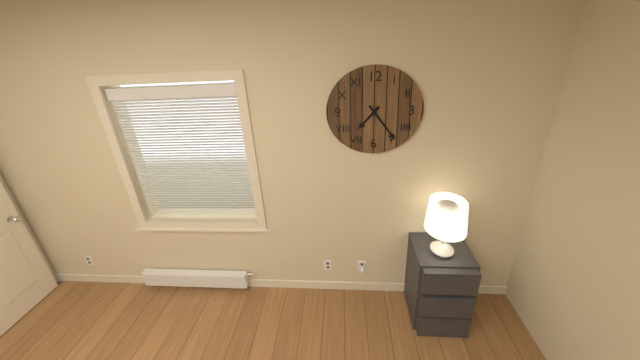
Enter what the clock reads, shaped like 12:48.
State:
7:24
